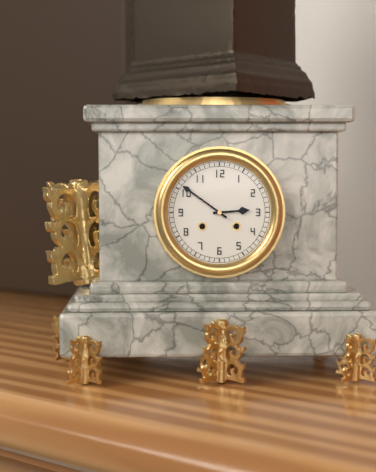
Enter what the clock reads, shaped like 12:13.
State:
2:51
